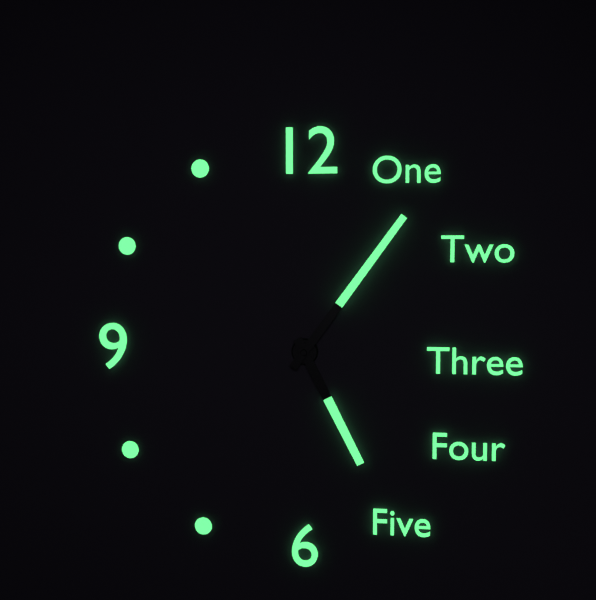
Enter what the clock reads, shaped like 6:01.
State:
5:06
